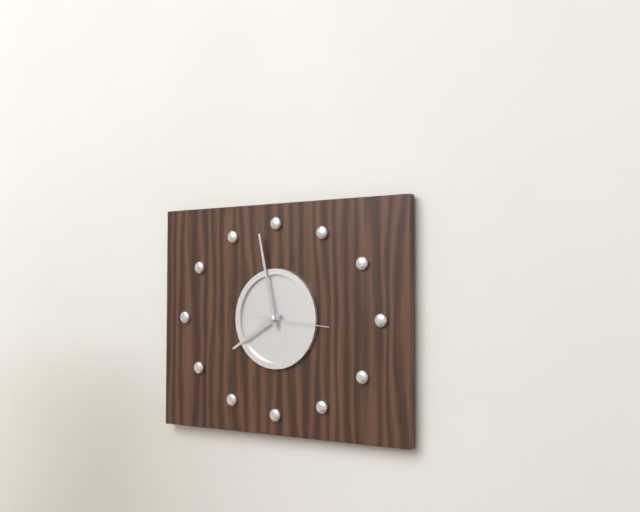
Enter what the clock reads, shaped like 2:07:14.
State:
7:58:16
